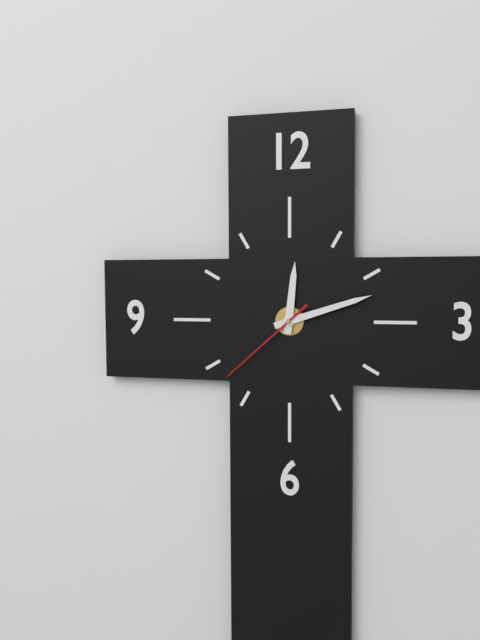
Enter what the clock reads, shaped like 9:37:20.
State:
12:12:38
